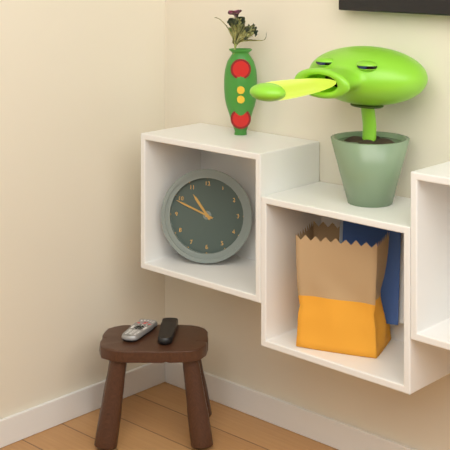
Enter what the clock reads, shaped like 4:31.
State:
10:49
